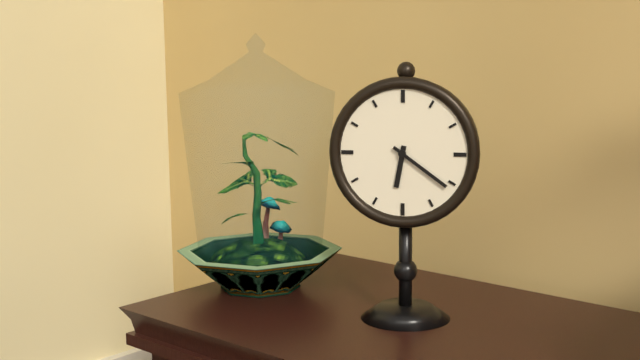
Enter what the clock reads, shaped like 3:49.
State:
6:21
